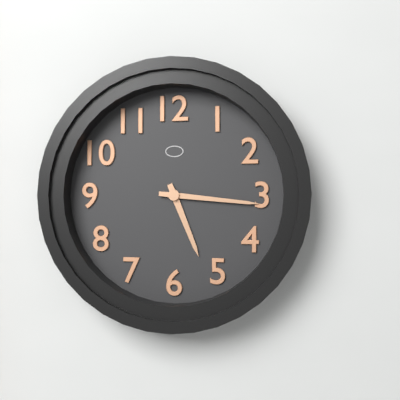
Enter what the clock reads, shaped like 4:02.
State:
5:16
